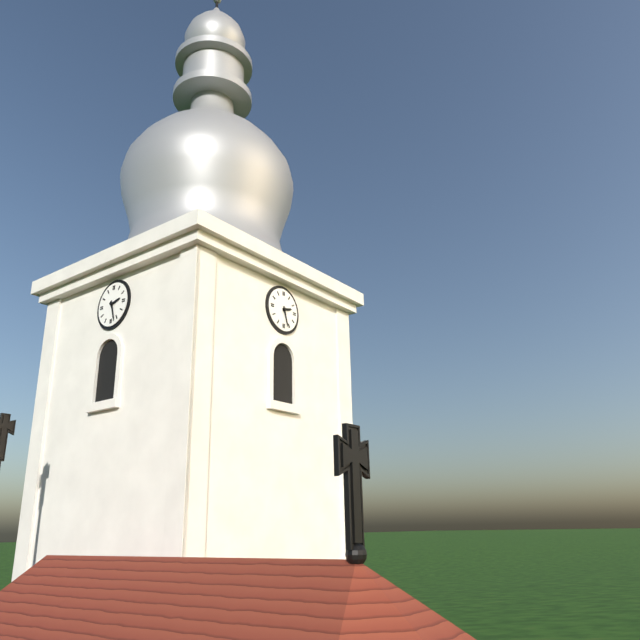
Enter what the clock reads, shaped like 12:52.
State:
2:27
